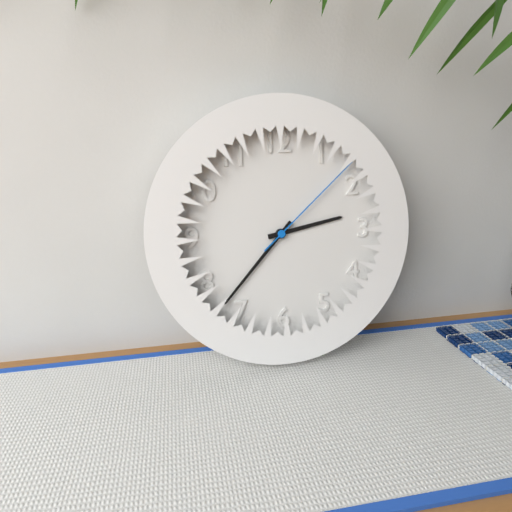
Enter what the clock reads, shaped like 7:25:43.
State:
2:37:08
